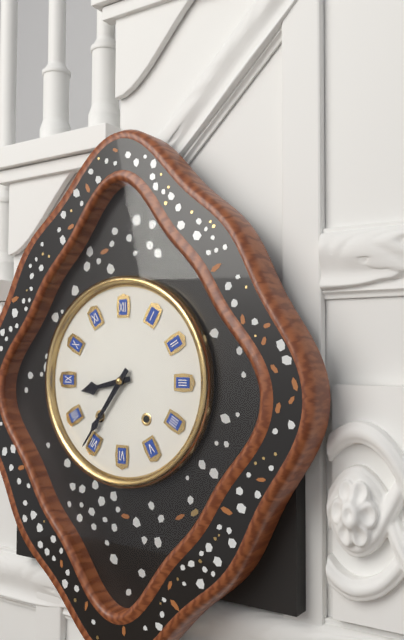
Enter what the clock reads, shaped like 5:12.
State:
8:36
